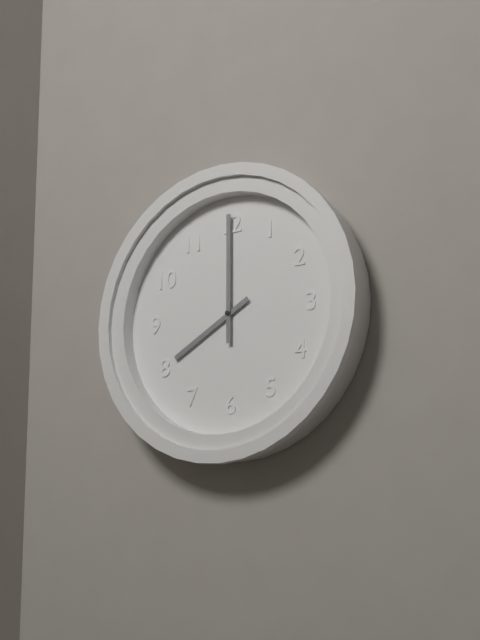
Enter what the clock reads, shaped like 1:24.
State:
8:00
